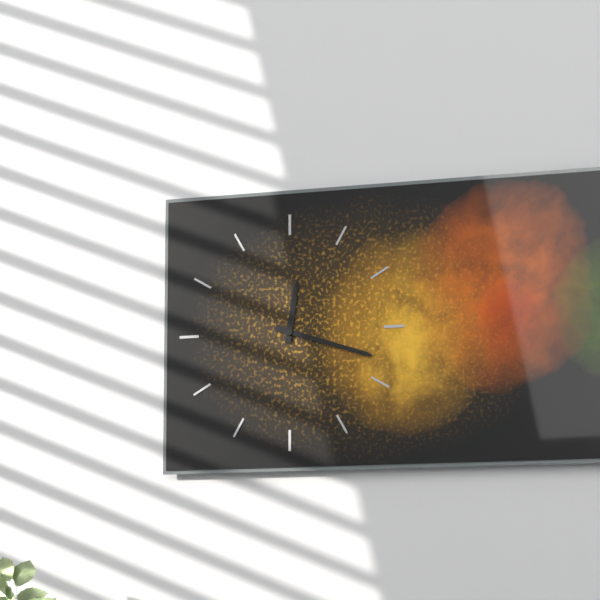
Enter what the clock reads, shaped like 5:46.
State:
12:18
